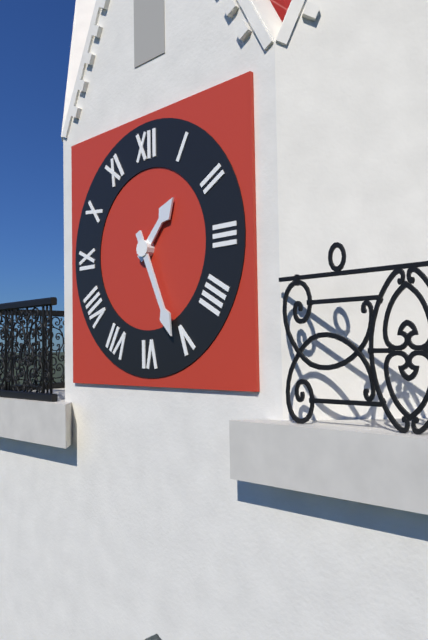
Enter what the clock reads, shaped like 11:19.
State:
1:26
